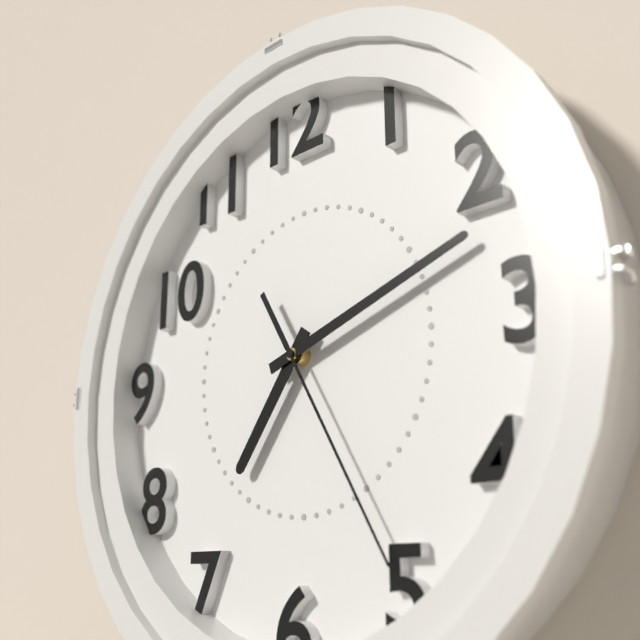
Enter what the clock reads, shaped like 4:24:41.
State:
7:12:25
